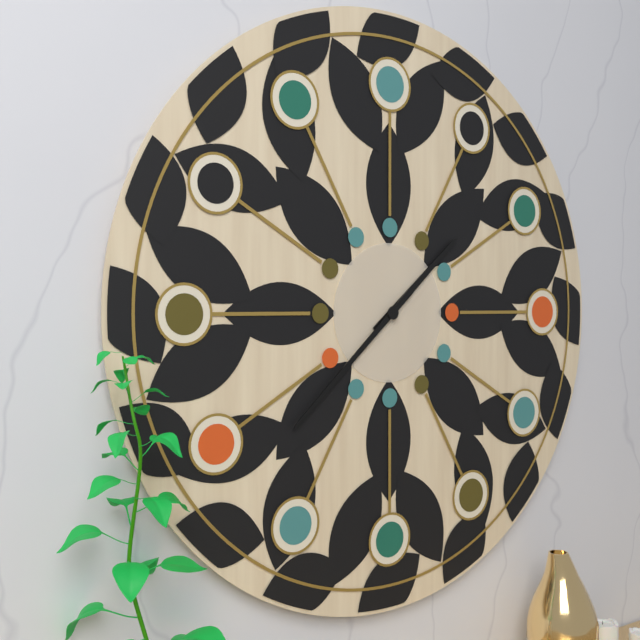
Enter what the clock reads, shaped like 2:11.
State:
1:38
